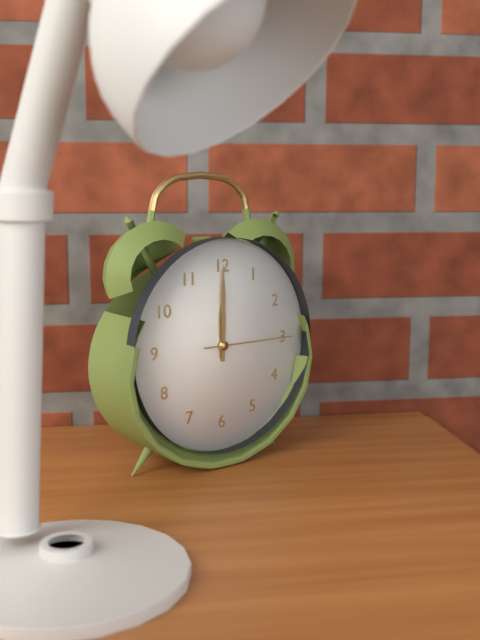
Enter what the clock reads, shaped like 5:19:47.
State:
12:00:15
